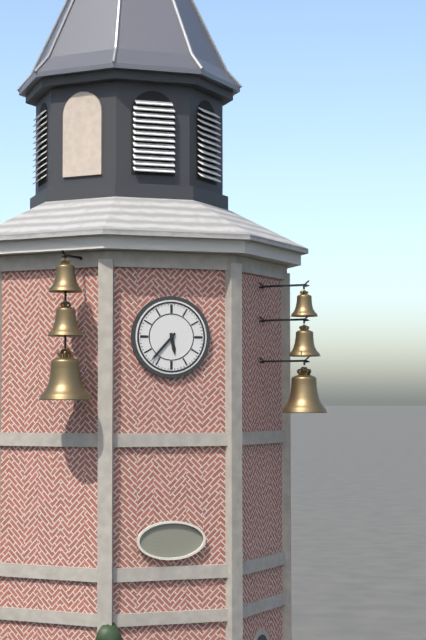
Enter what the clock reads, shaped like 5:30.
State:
5:37
